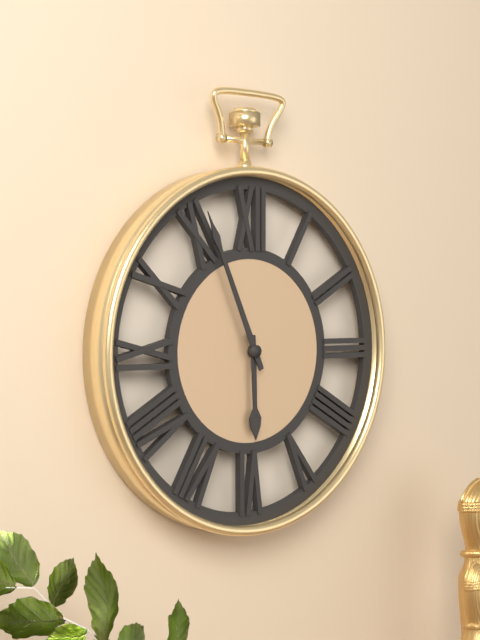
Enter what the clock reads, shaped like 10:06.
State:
5:56
